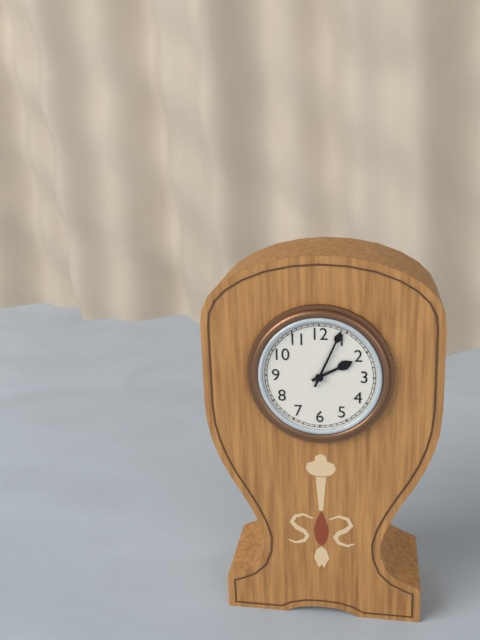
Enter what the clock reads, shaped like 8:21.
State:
2:04
